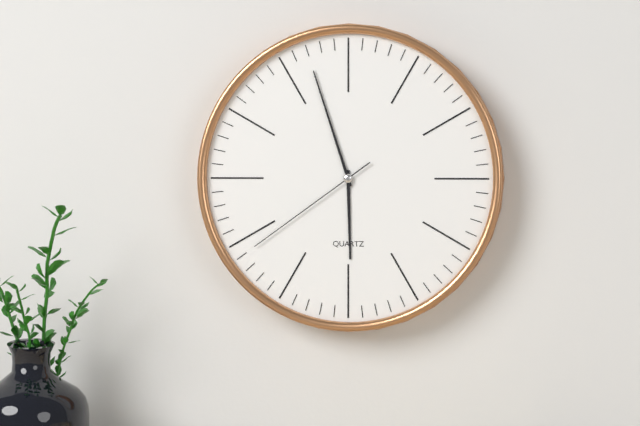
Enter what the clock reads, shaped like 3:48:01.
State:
5:57:39
